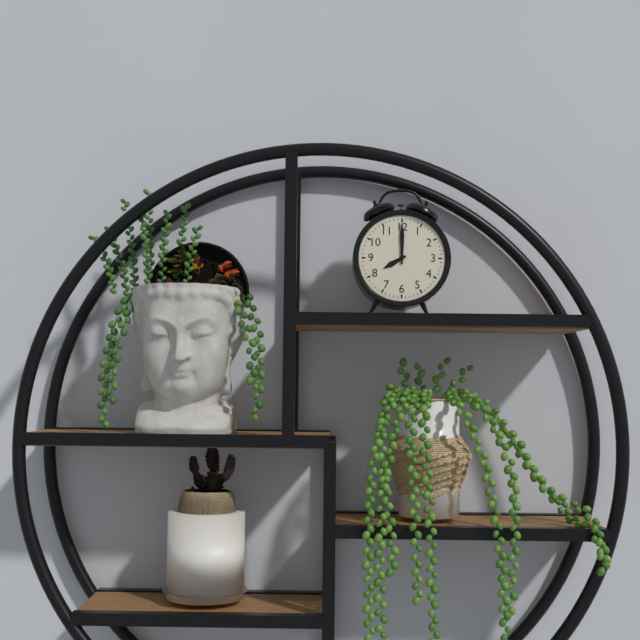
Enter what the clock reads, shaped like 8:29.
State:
8:00
